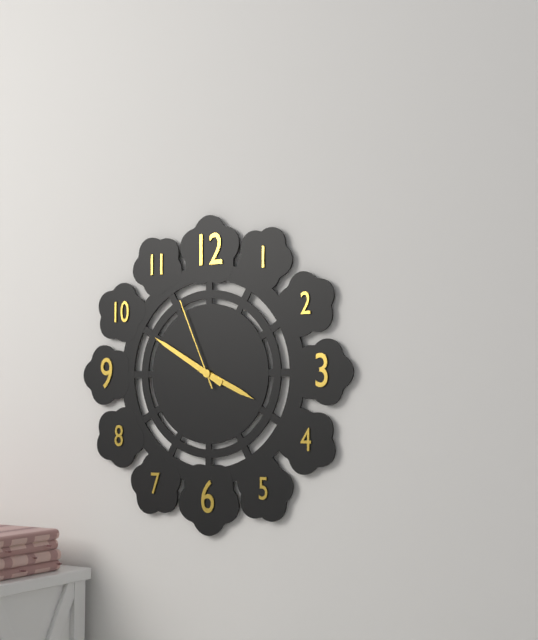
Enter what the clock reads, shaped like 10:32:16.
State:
3:50:56
